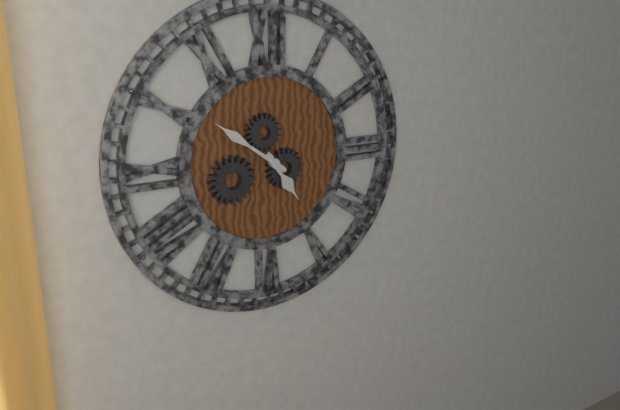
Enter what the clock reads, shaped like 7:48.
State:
4:51
